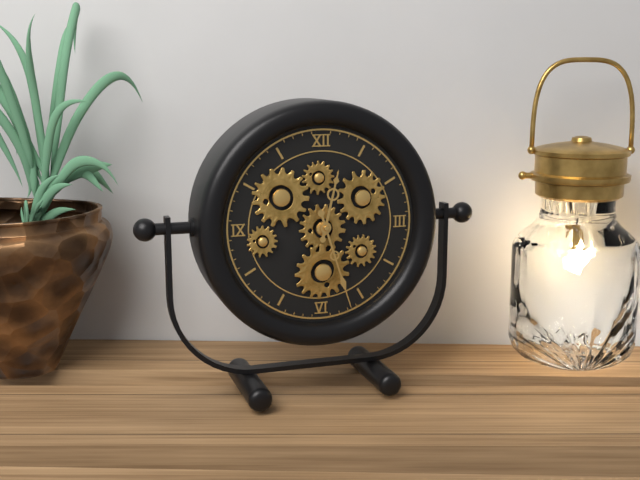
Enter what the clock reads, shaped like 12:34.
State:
12:27
